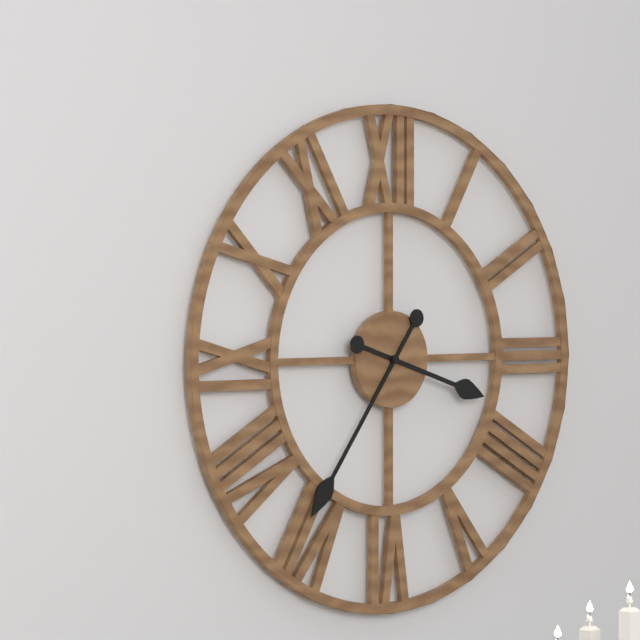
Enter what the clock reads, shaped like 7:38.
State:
3:36
